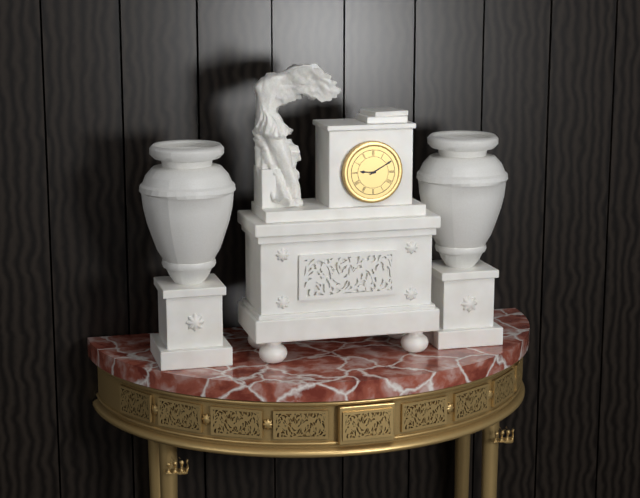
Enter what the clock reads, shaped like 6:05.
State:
9:10
